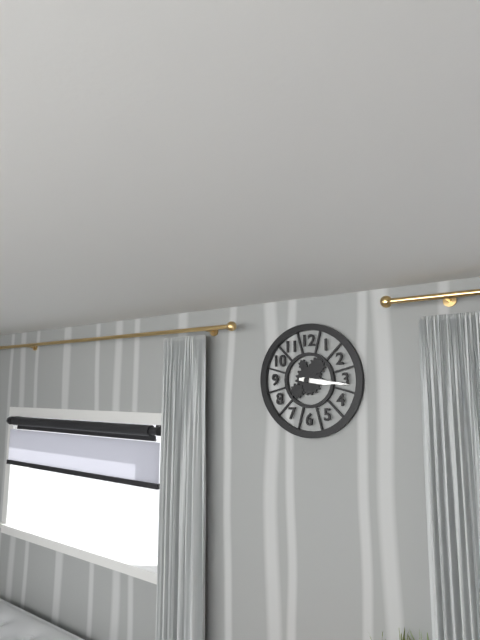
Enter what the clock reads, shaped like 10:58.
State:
3:16
